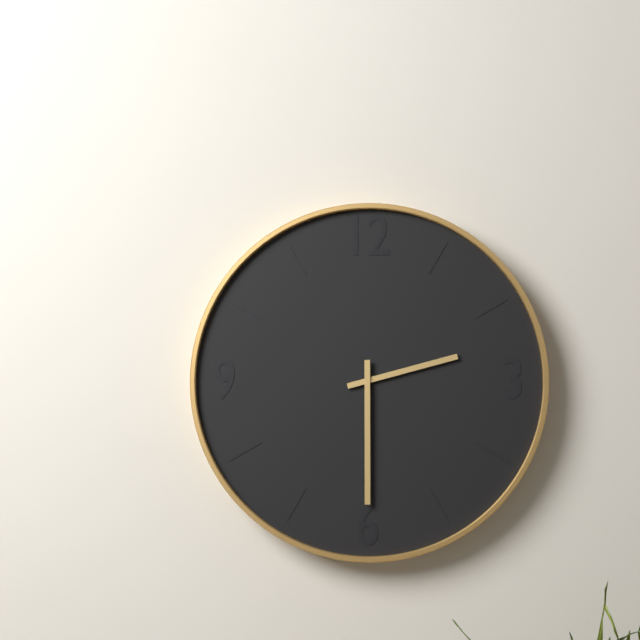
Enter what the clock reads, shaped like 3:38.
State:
2:30
